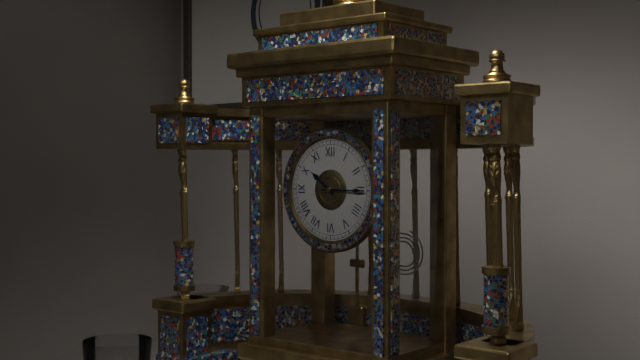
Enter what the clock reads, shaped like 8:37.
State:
10:15
